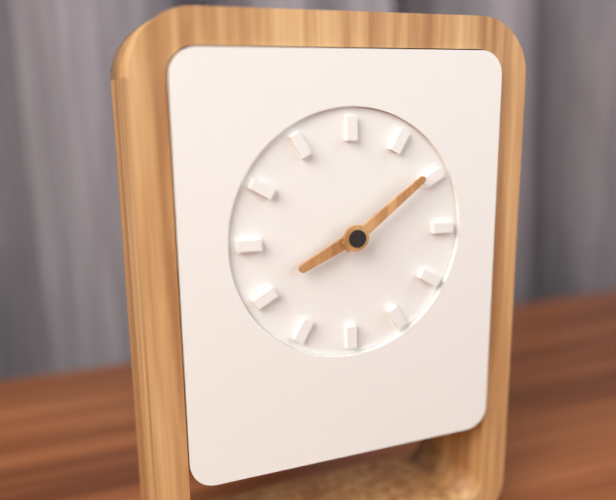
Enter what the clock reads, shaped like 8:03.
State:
8:09
